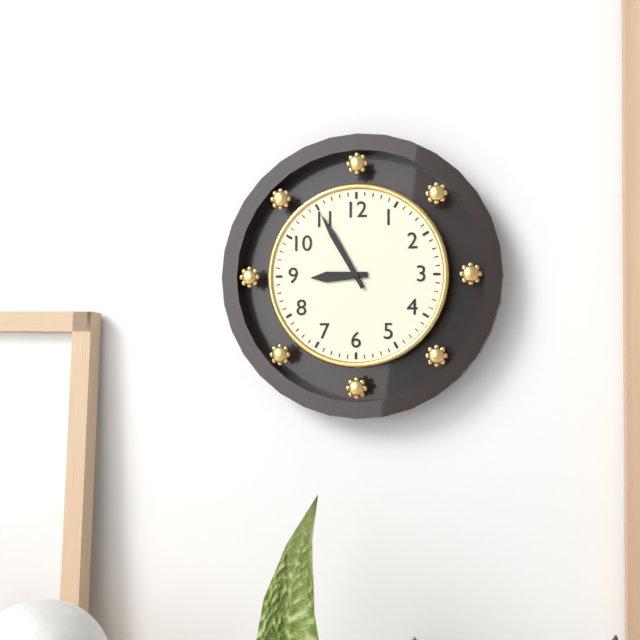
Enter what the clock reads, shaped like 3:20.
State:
8:55
